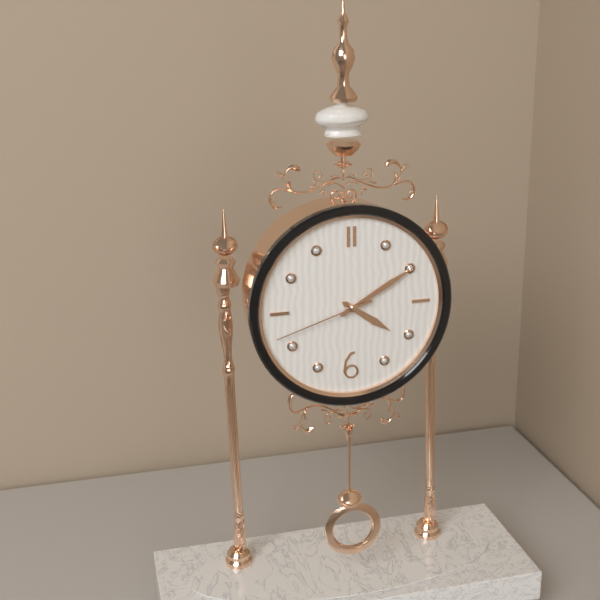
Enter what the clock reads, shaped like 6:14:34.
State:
4:10:42
